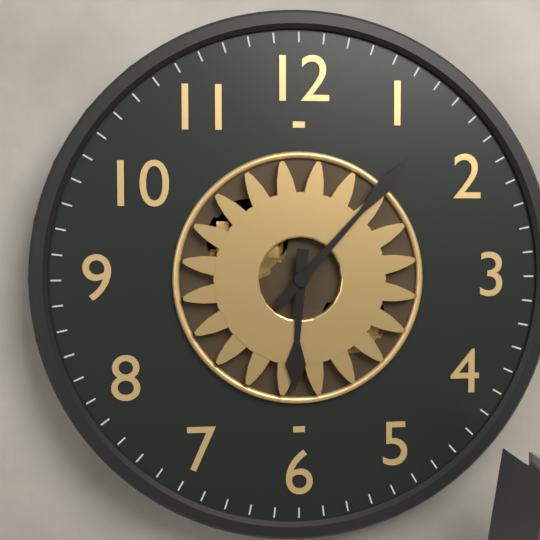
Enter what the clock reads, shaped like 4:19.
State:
6:07
